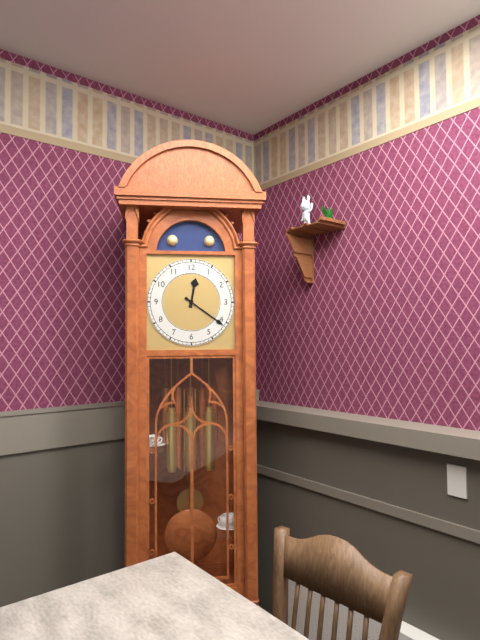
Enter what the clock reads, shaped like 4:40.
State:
12:21
